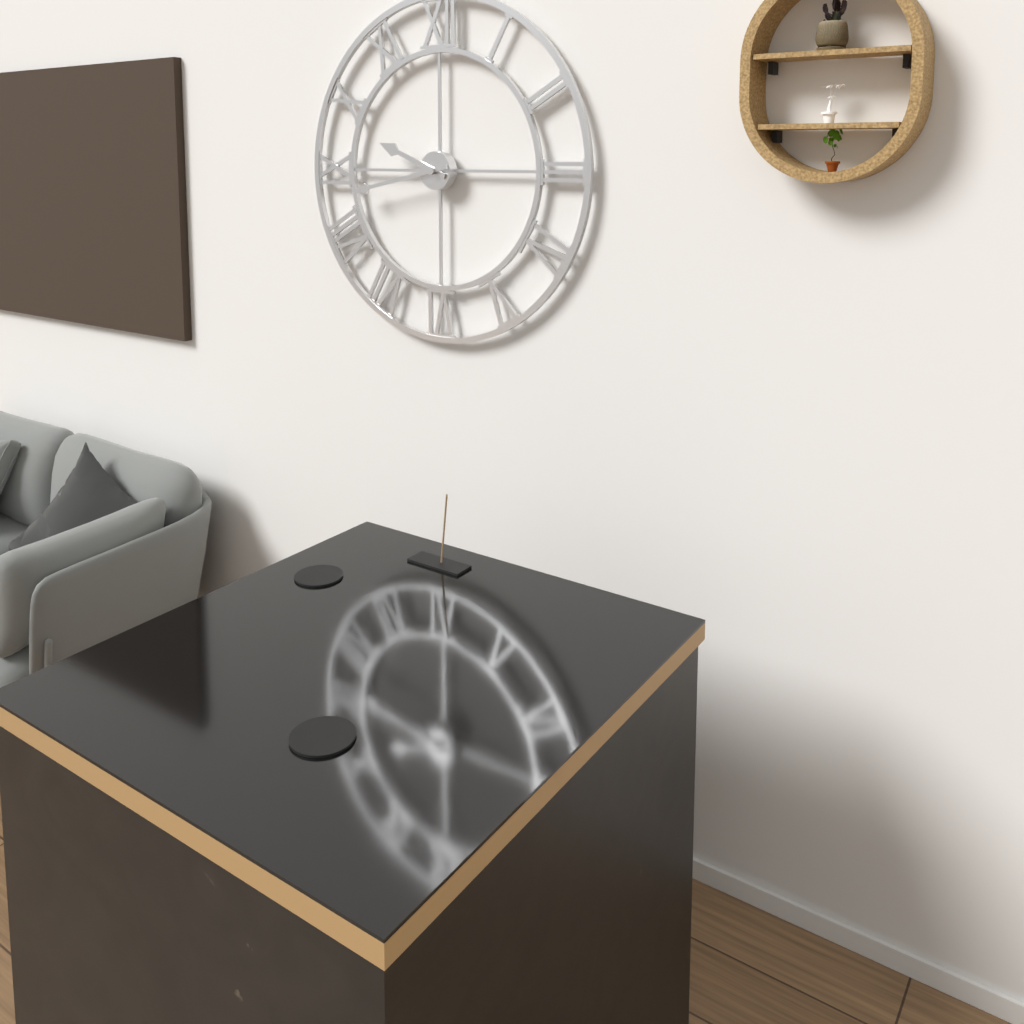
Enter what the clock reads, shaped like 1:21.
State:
9:43
